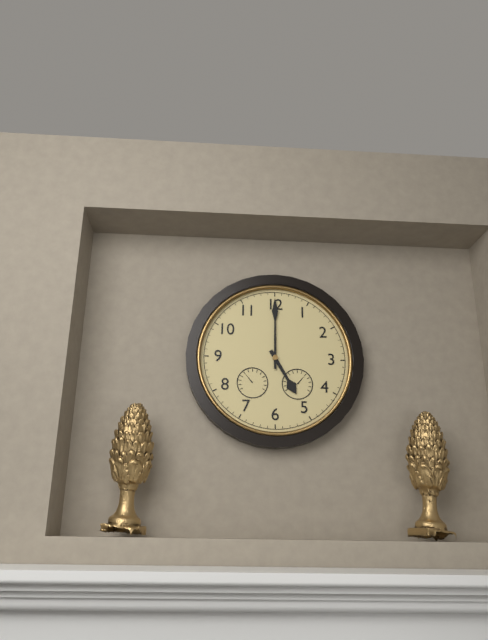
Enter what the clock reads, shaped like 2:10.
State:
5:00
